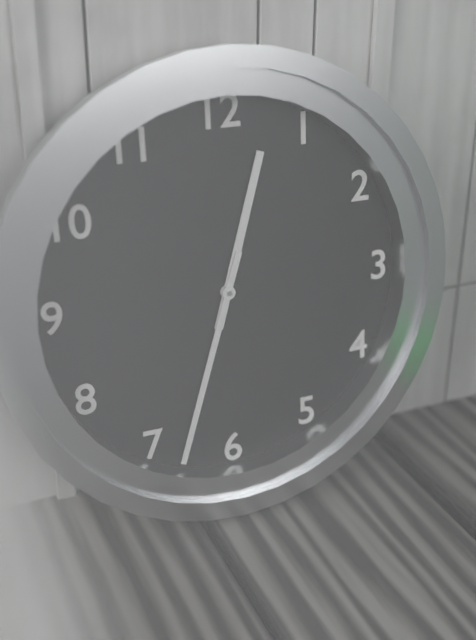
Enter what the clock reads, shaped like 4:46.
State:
12:33
